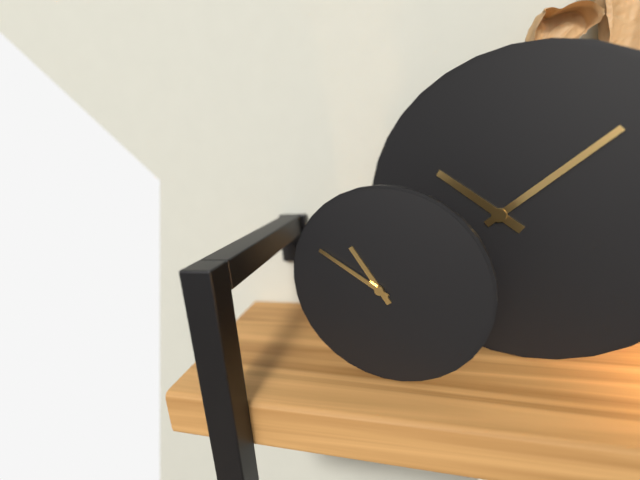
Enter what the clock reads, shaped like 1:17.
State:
10:50
